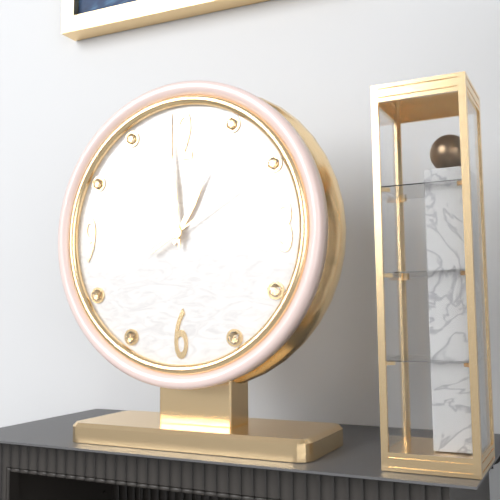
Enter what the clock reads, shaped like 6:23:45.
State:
12:59:10
